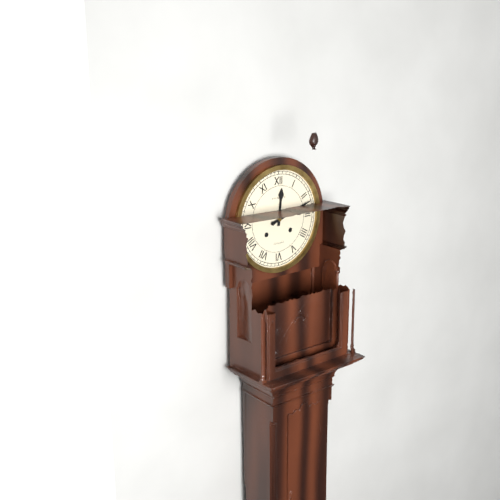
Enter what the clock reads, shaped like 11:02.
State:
12:12
